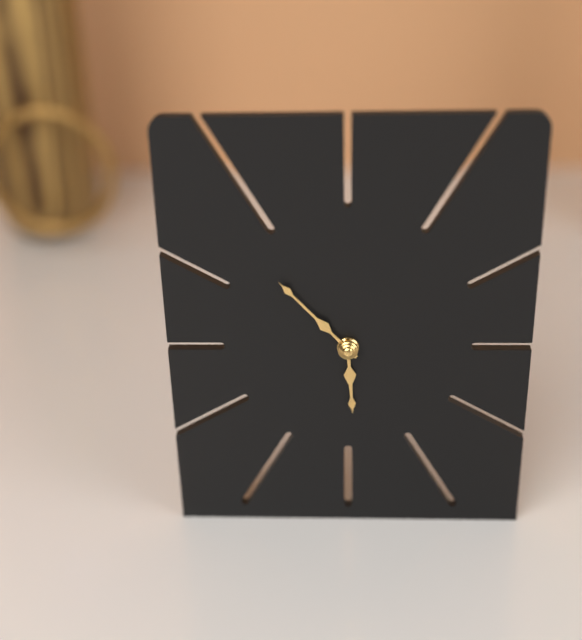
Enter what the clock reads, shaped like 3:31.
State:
5:53
